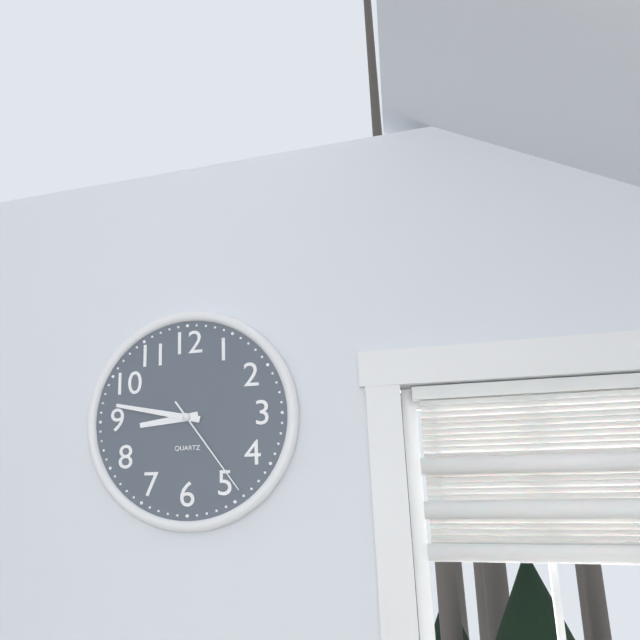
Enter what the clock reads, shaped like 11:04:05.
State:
8:47:24
